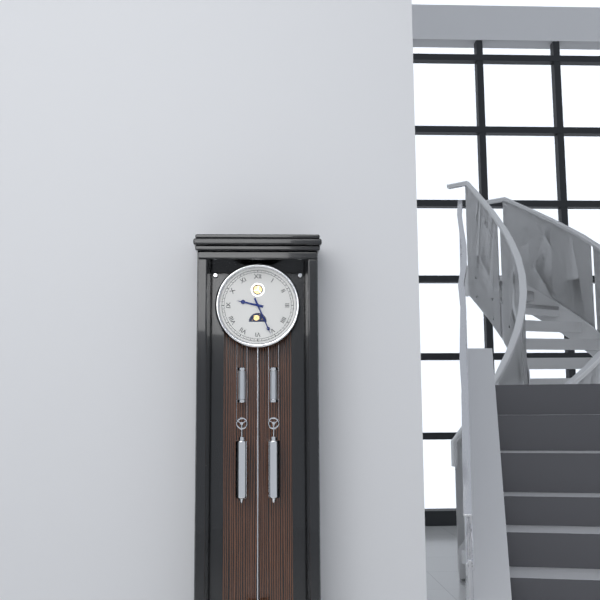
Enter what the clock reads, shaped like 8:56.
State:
9:26
